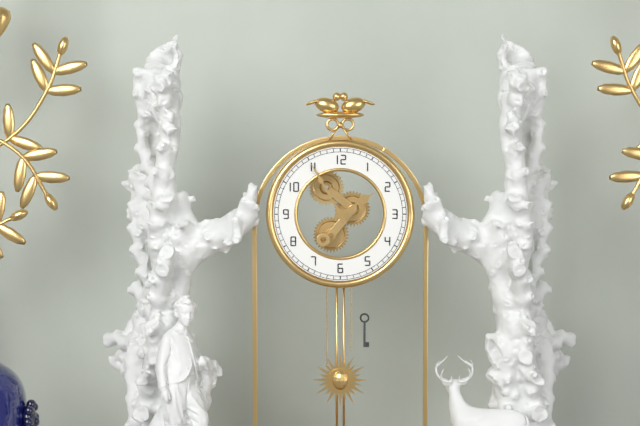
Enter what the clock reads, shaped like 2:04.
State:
1:55
